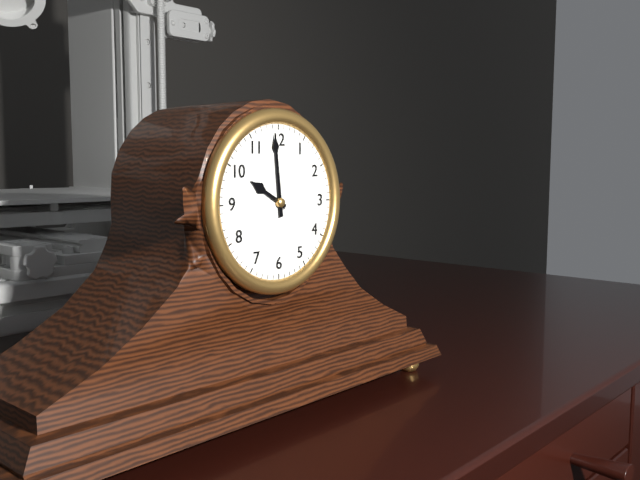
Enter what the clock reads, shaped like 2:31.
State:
9:59
